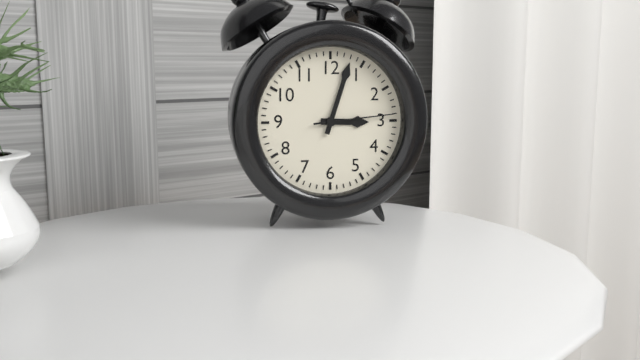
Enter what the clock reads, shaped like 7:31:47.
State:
3:03:14
